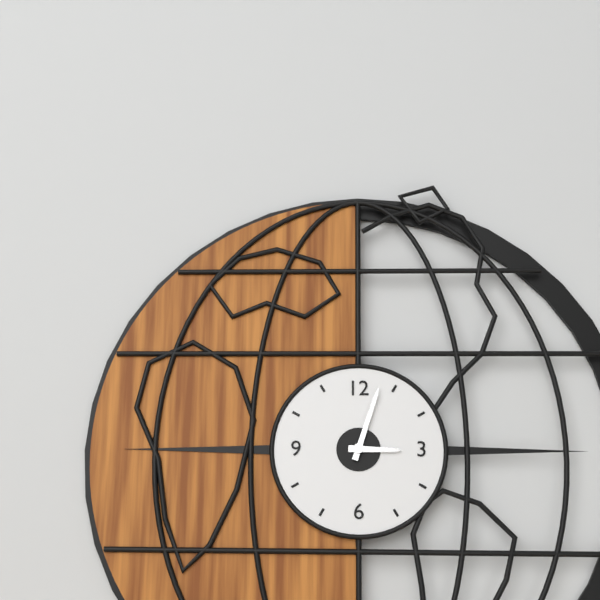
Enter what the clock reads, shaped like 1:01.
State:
3:03
